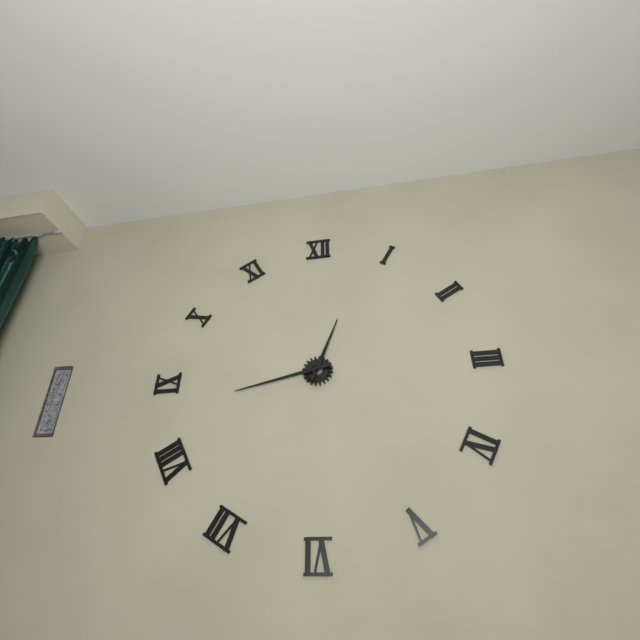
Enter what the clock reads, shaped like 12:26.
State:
12:43
